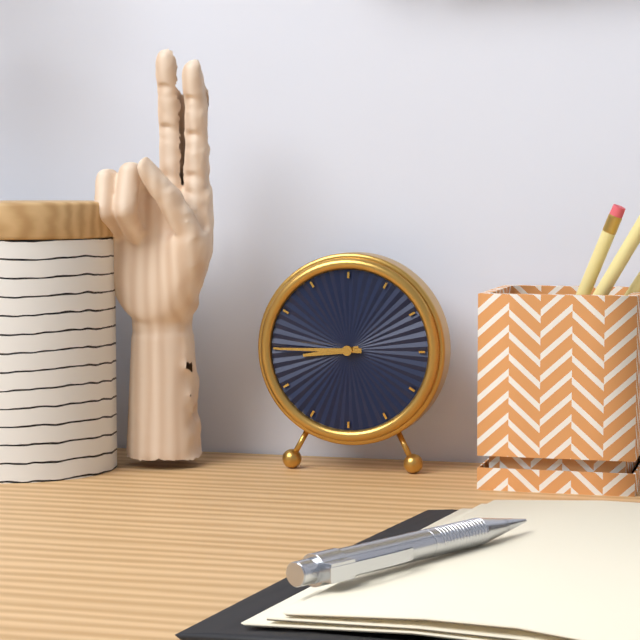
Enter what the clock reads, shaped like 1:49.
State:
8:45
